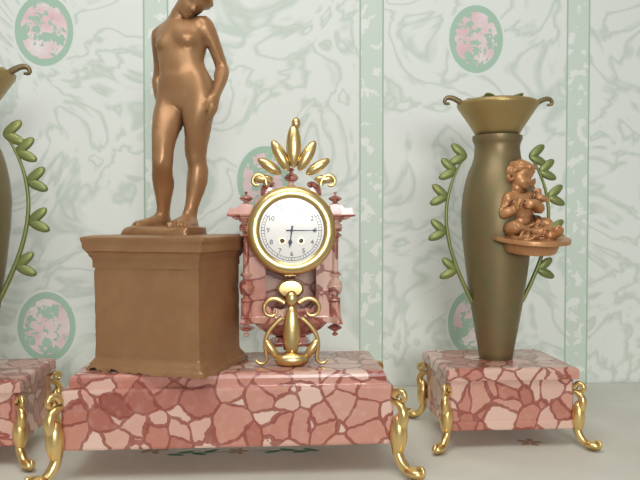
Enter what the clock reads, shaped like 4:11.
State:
6:15
